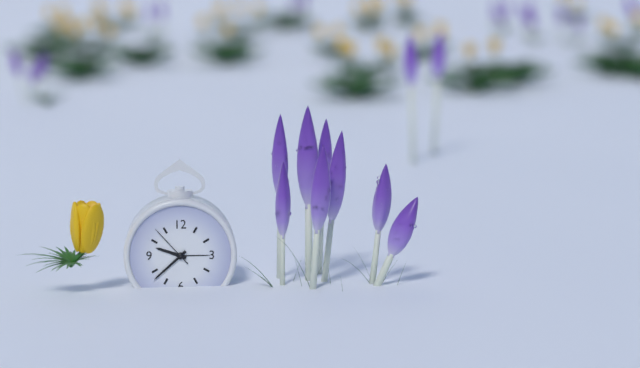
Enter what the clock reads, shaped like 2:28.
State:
9:38
